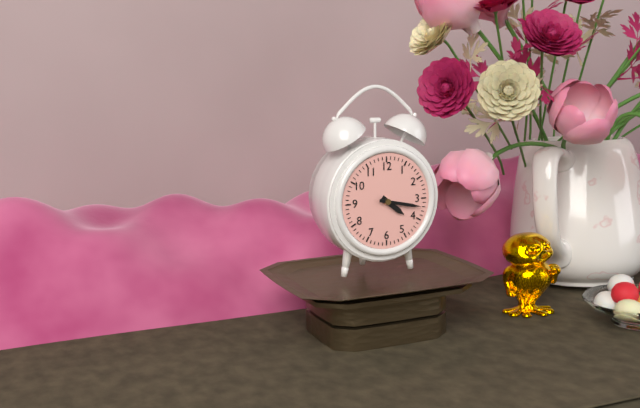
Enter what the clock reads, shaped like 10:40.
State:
4:17
